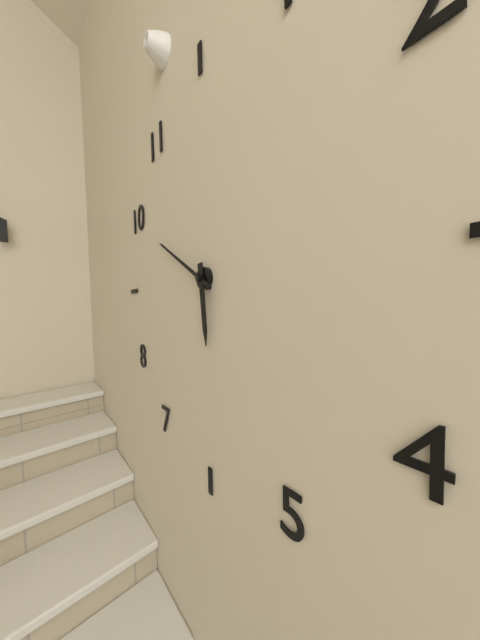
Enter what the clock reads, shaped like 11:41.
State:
5:50
